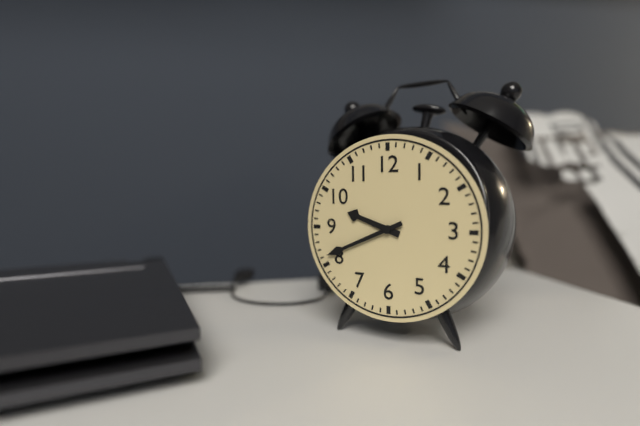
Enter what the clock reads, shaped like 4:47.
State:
9:41
